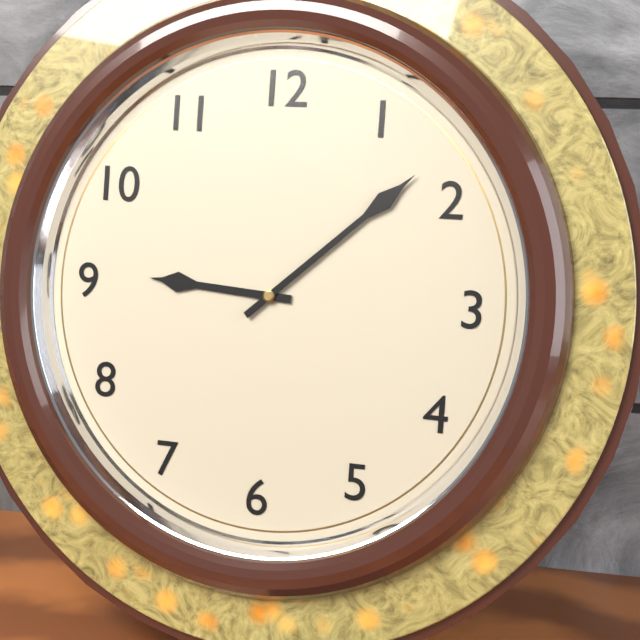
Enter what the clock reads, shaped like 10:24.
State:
9:08
